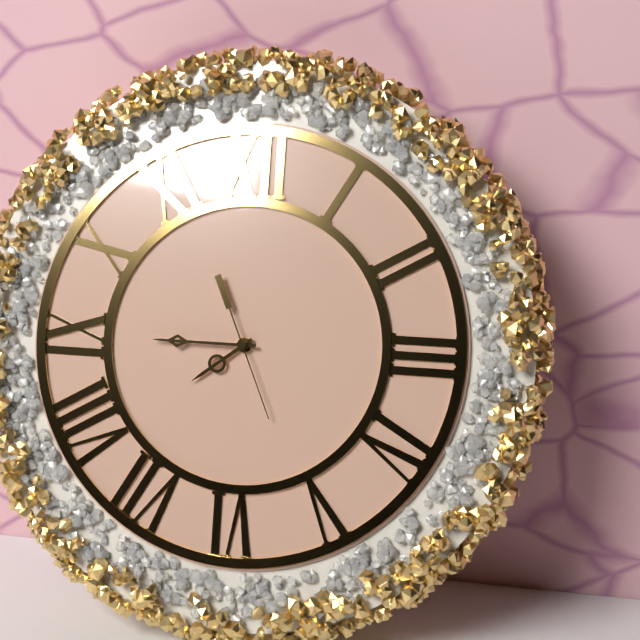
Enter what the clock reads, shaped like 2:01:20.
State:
7:45:26
